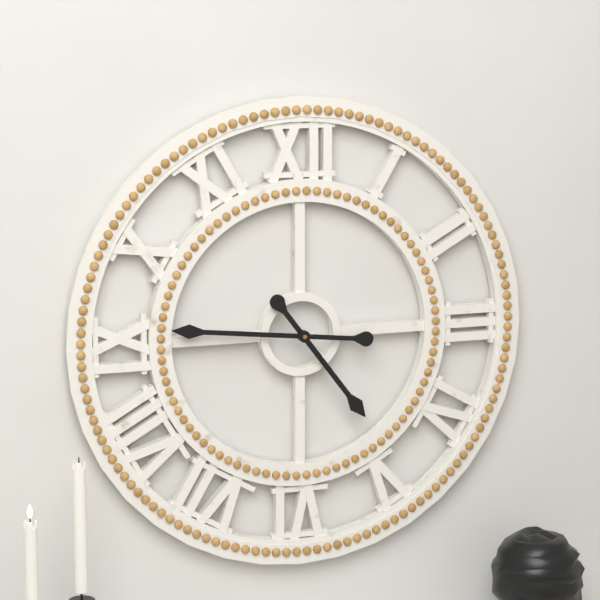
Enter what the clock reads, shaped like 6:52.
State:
4:46
